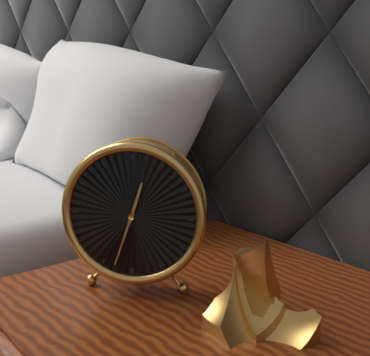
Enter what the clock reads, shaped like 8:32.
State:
12:33
